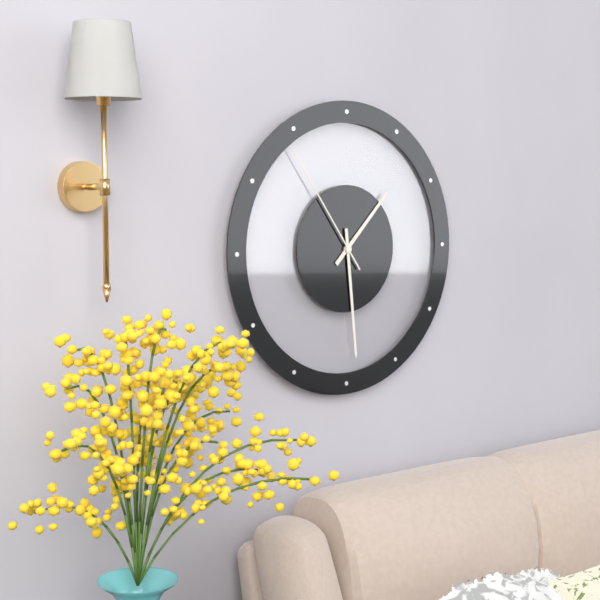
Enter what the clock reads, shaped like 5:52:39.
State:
1:29:54
